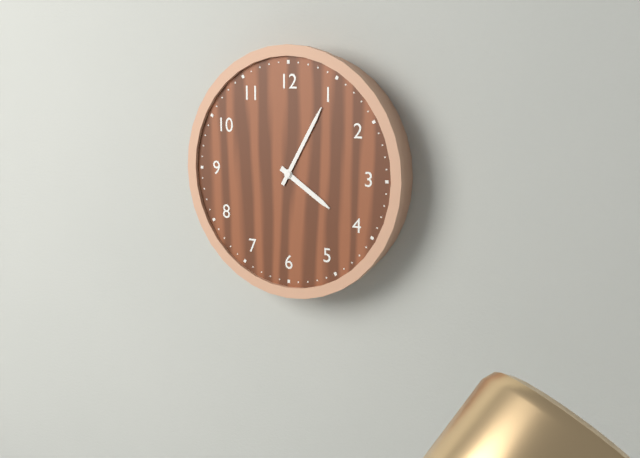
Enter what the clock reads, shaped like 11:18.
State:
4:05
